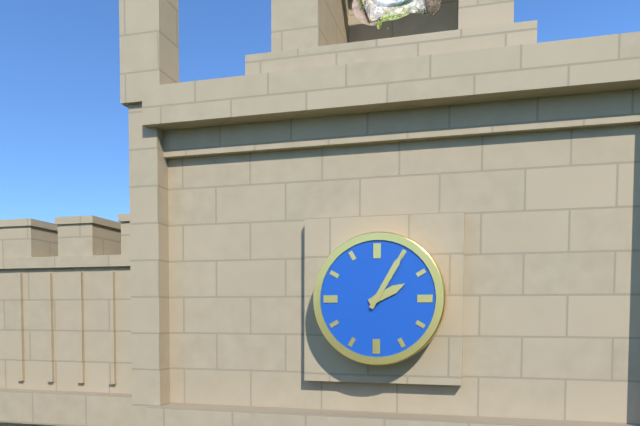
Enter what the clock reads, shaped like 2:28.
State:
2:05
